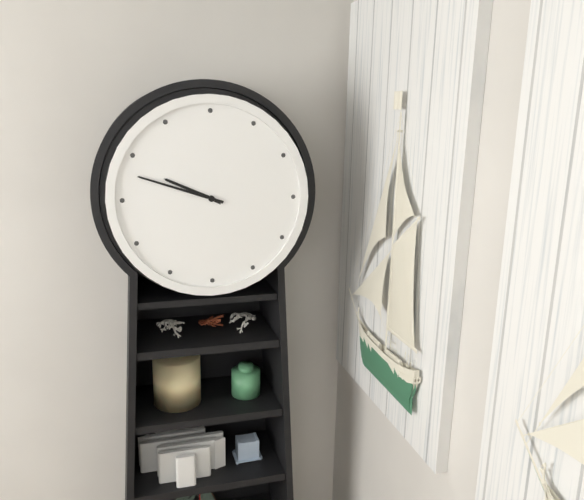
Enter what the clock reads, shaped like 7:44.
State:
9:48
